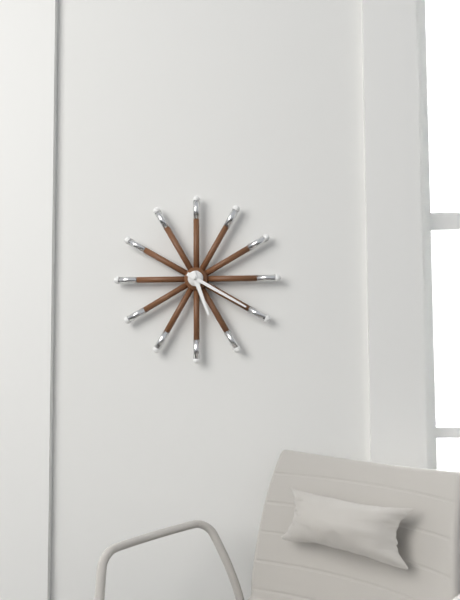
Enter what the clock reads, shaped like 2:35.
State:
5:20
